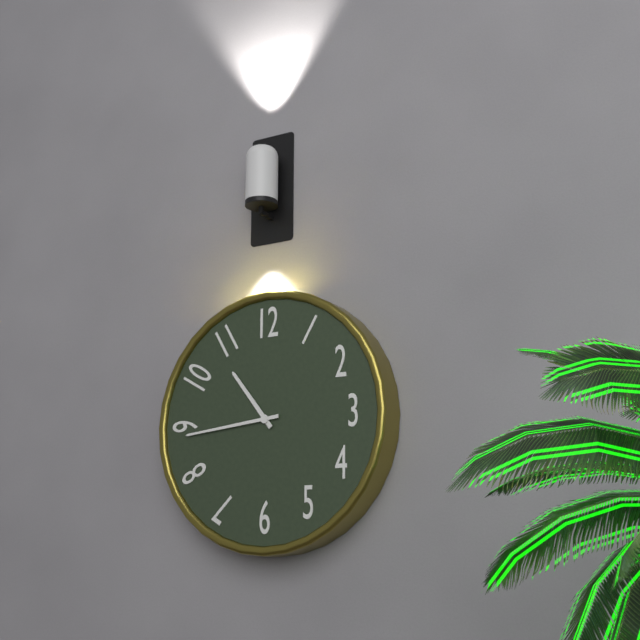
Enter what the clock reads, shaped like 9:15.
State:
10:44
